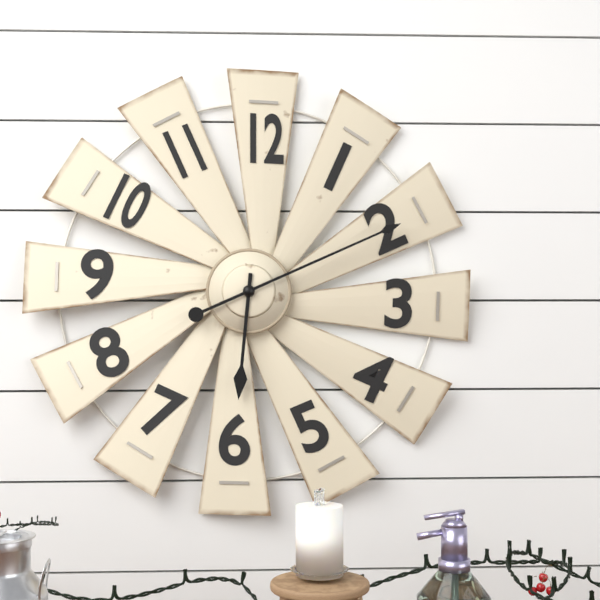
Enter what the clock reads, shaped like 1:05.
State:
6:11
